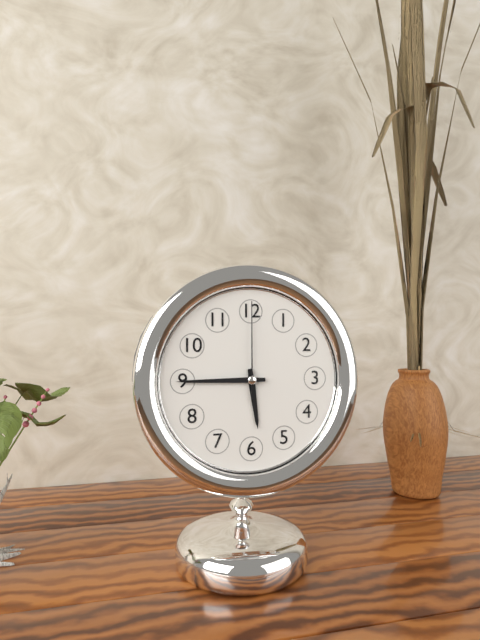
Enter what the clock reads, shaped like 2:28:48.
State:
5:45:00
